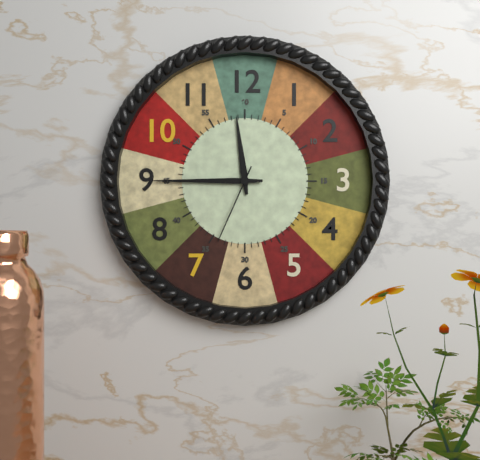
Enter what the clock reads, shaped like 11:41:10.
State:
11:45:34
